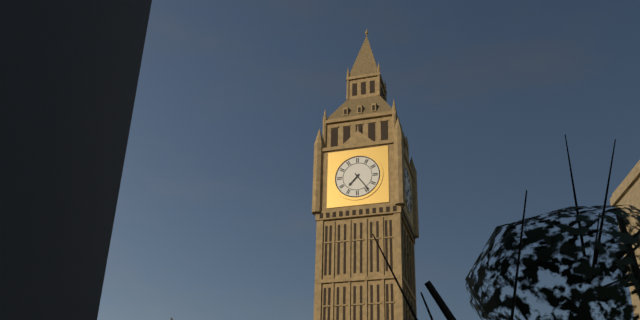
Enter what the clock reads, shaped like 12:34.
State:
7:24
